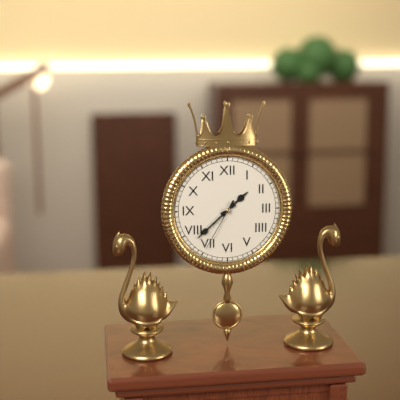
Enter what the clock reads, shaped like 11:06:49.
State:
1:38:35
